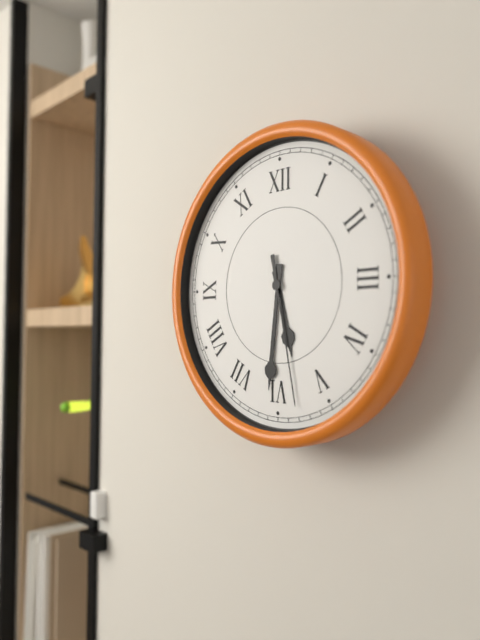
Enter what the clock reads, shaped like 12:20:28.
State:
5:31:28
